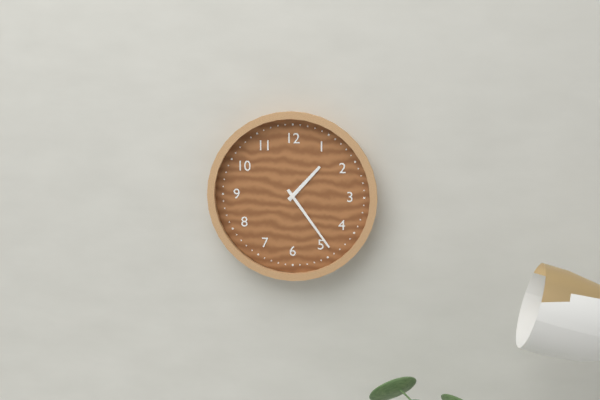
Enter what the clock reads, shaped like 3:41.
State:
1:24
